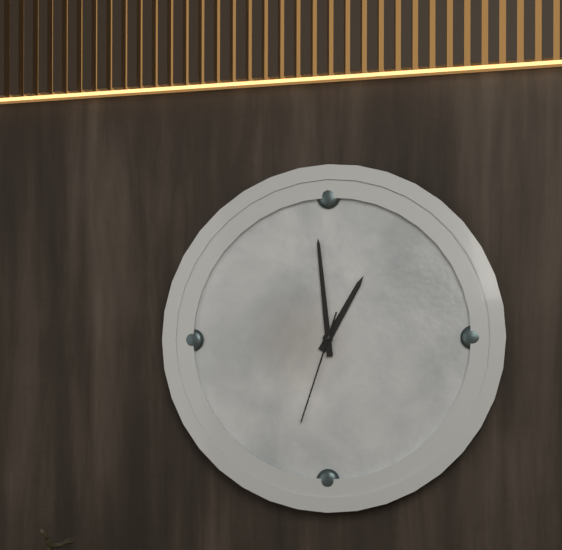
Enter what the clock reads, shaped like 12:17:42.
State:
12:59:33
